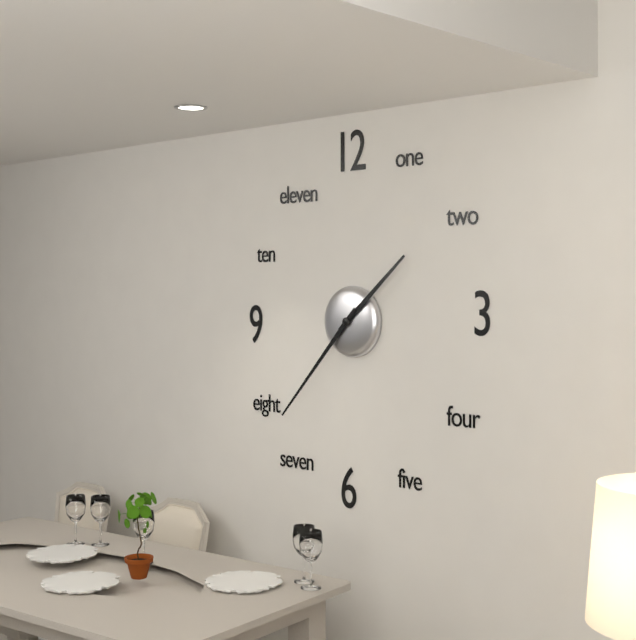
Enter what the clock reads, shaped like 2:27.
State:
1:37
